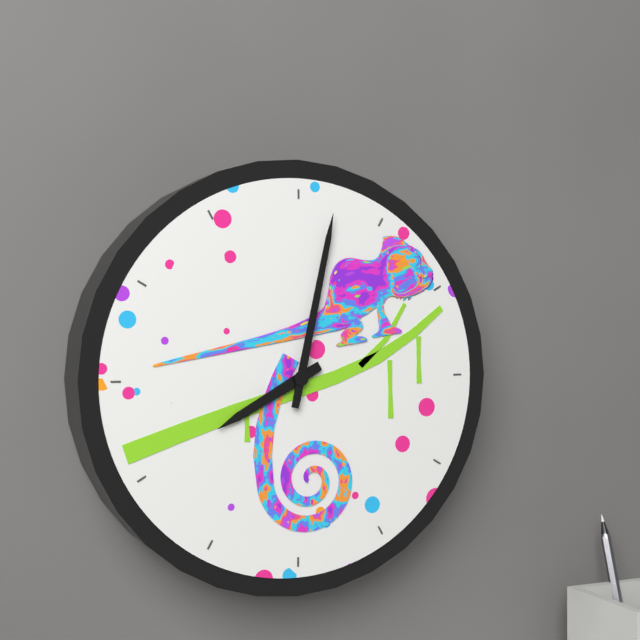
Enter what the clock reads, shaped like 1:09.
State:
8:02
